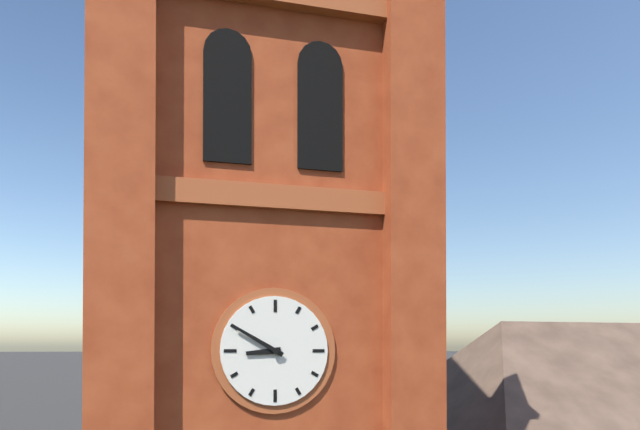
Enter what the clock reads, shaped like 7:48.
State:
8:50
